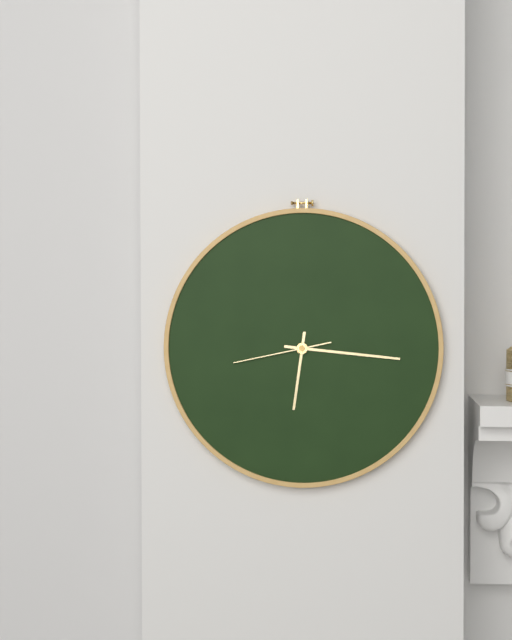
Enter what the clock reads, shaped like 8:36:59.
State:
6:16:43
